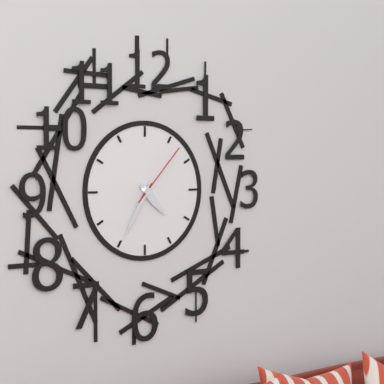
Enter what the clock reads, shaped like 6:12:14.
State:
4:35:07
